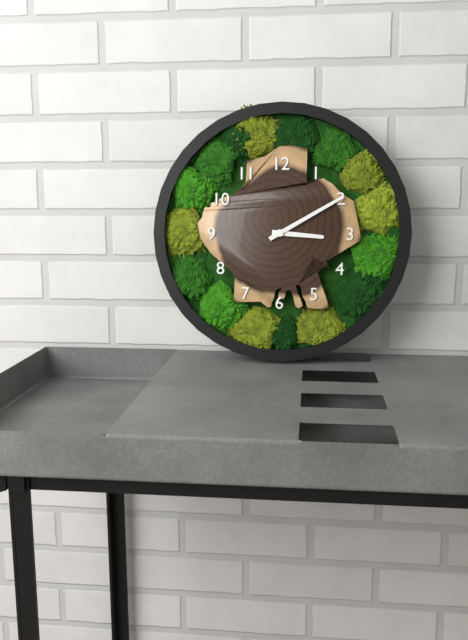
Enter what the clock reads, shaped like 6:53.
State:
3:10
